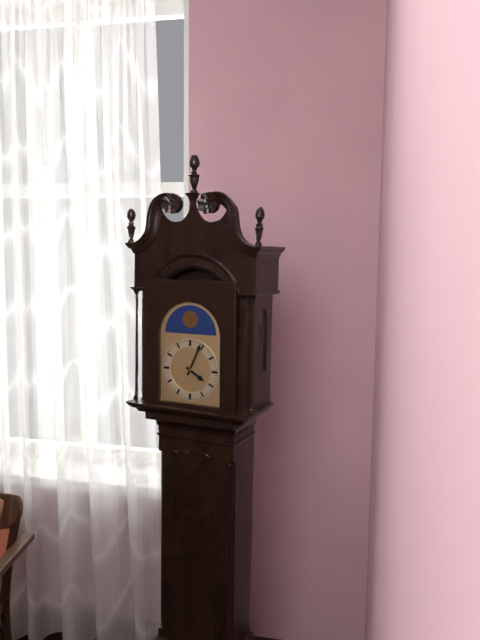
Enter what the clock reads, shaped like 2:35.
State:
4:04
